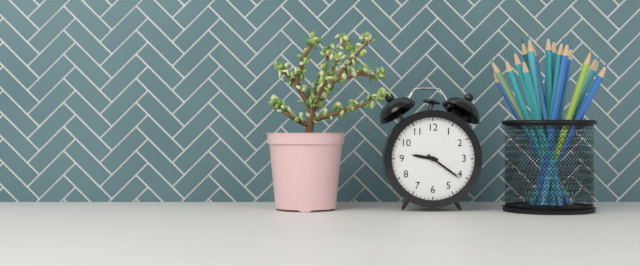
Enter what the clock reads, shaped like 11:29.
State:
9:21
